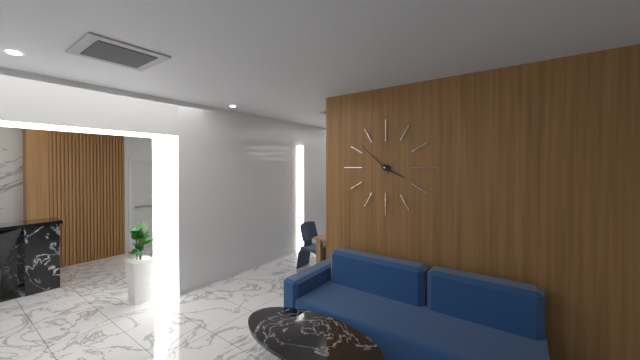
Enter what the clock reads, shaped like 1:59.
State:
3:52
